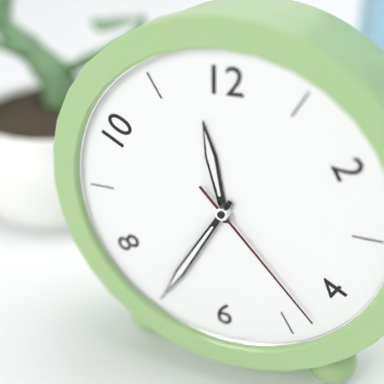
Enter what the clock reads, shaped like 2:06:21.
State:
11:35:23
